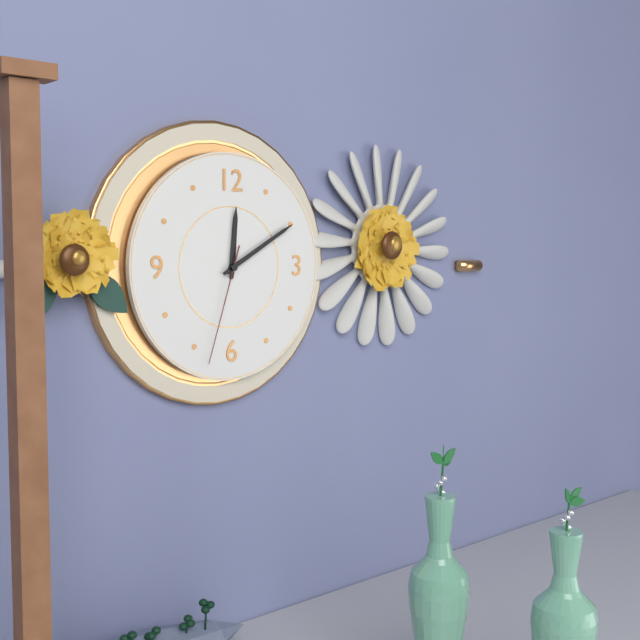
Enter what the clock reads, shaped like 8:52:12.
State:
12:10:33
